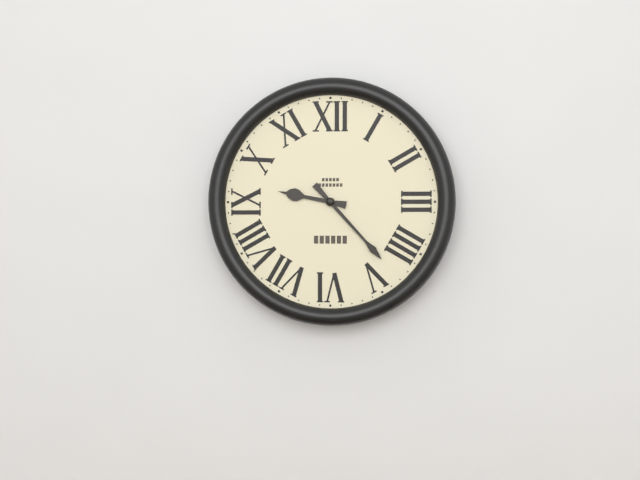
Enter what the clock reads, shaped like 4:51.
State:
9:23
